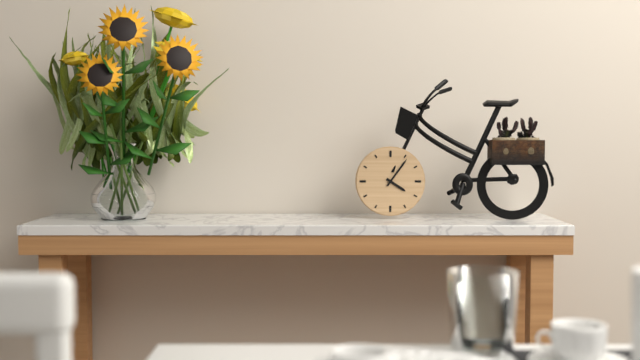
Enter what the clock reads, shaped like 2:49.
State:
4:06
